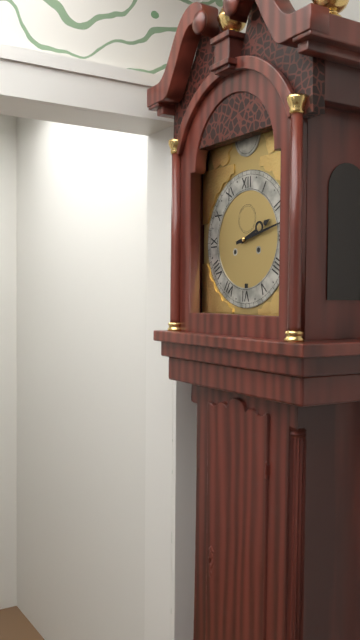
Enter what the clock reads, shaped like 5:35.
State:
2:13
